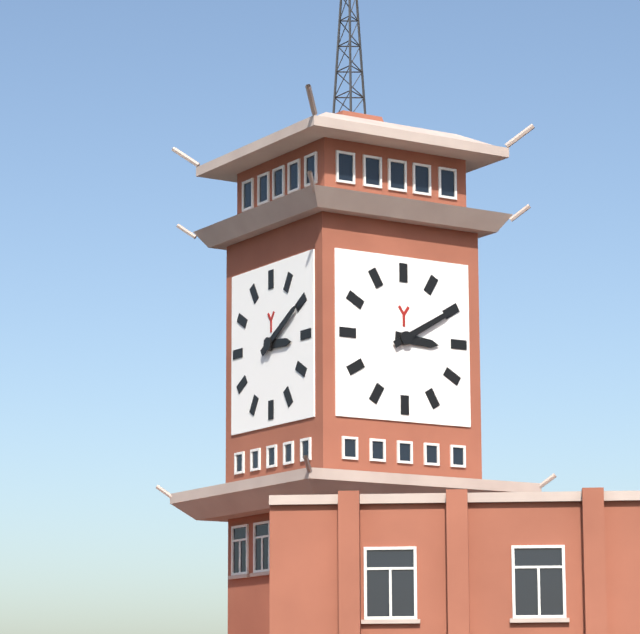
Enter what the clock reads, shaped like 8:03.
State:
3:10
